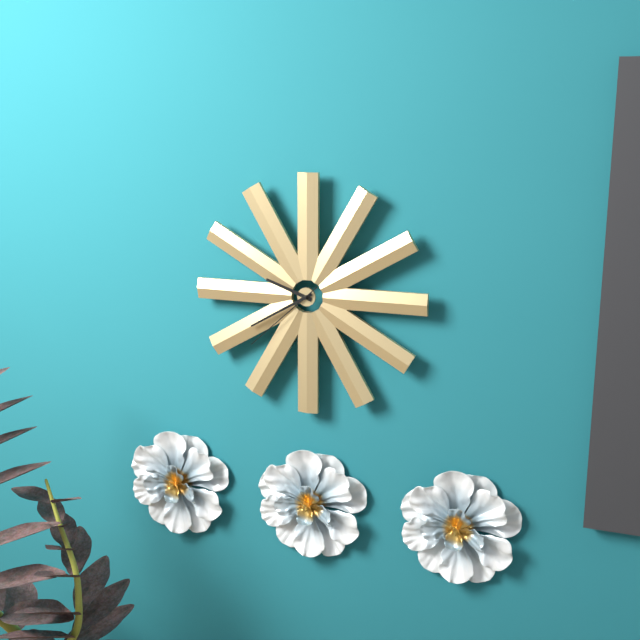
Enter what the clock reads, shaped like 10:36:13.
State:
9:40:38
